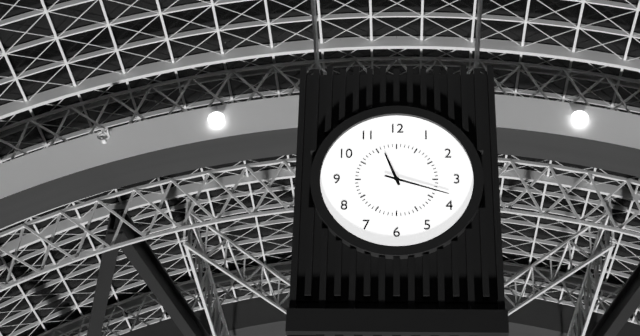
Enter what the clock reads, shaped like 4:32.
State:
11:18
